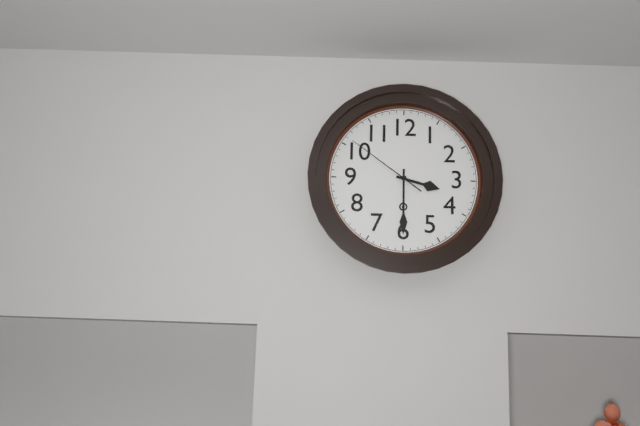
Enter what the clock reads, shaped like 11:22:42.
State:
3:30:51
